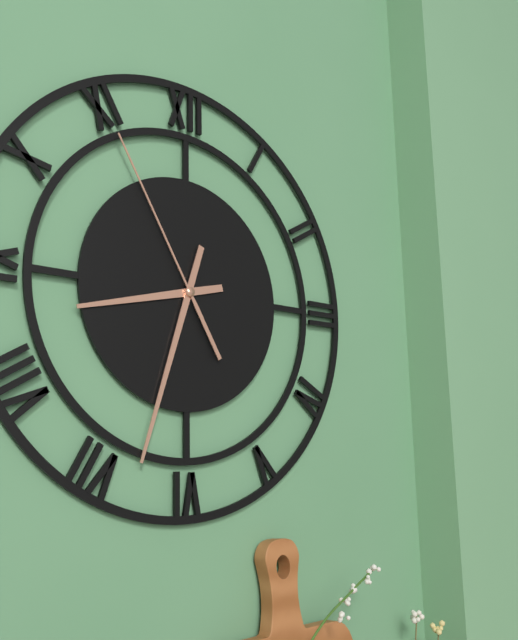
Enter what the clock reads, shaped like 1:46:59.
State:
8:33:55
